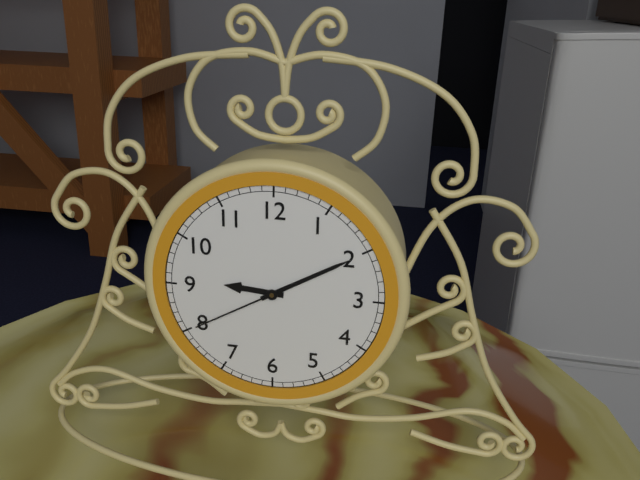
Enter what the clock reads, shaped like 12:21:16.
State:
9:10:40
